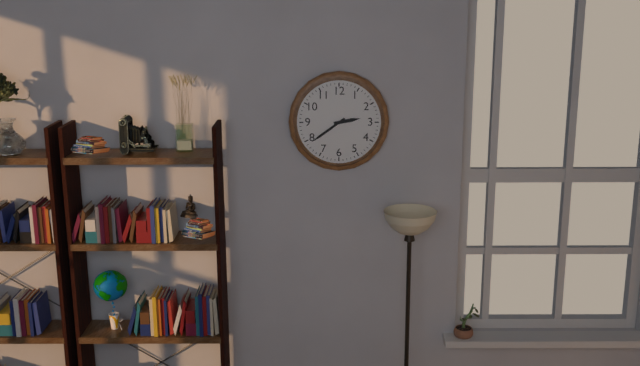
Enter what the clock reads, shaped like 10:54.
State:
2:39
